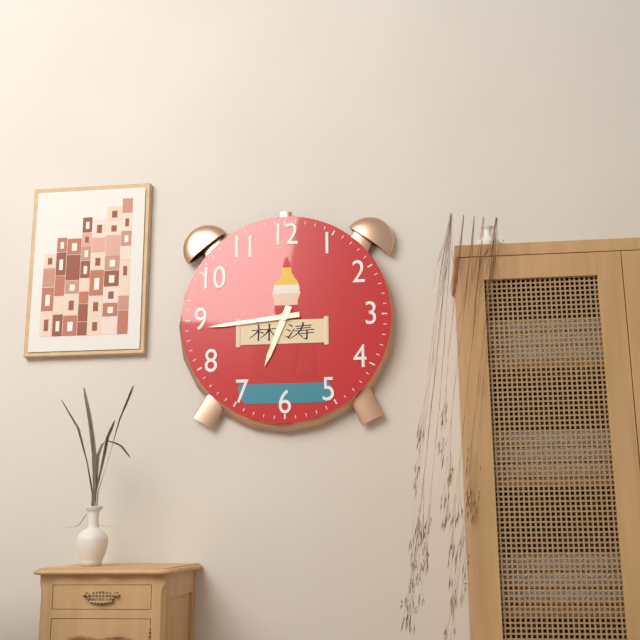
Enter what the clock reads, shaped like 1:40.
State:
6:44
